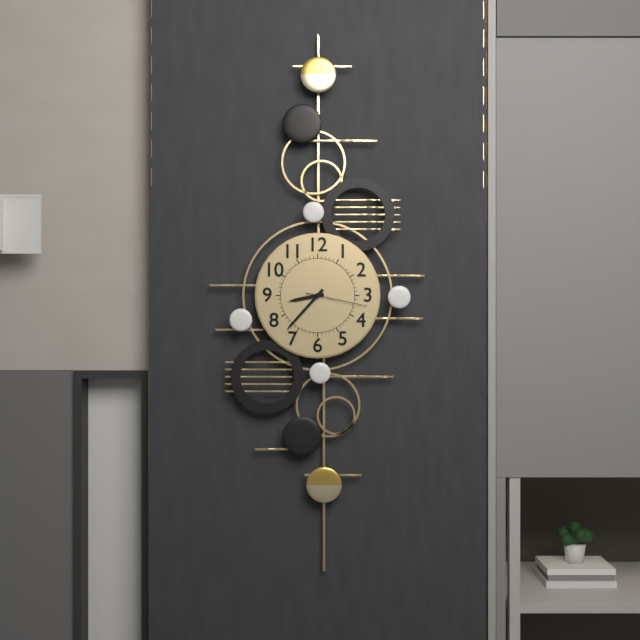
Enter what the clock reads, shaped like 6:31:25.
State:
8:37:17
